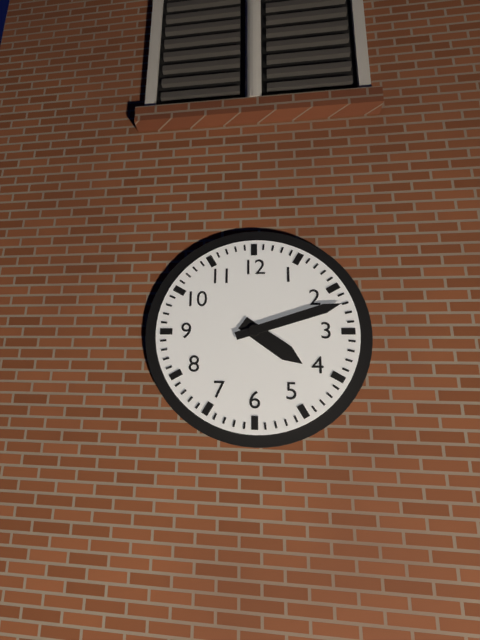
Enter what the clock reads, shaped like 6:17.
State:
4:12
